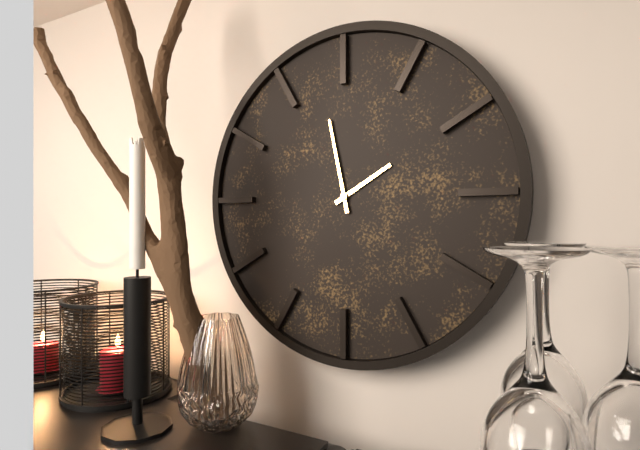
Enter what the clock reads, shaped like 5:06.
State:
1:58
